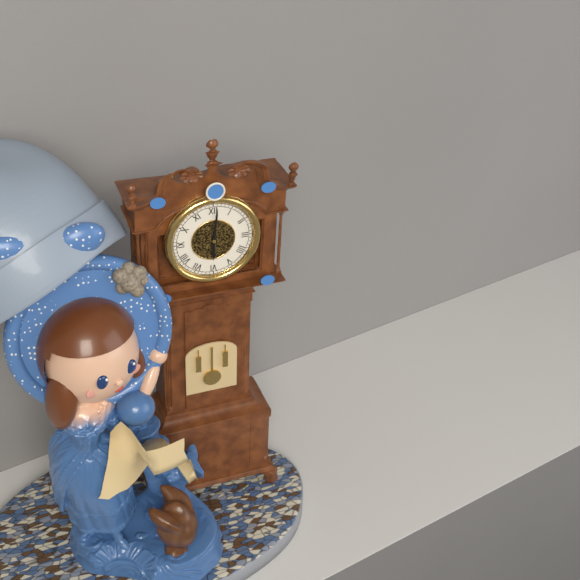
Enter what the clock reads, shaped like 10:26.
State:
6:01
